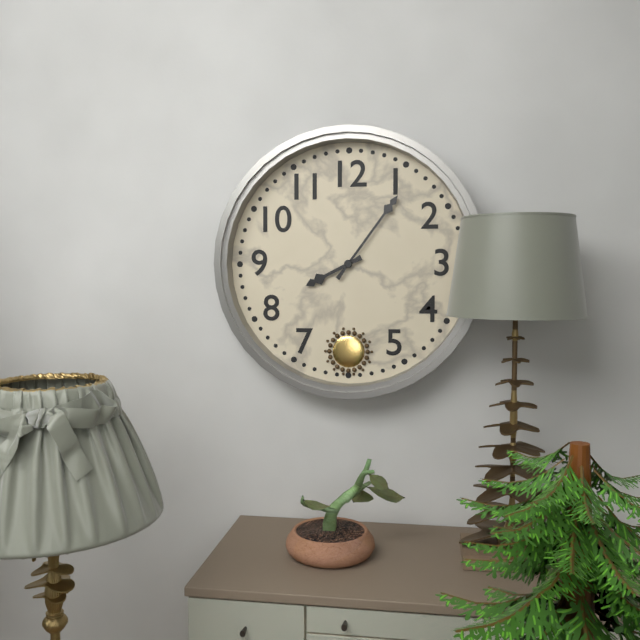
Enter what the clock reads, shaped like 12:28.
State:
8:06
